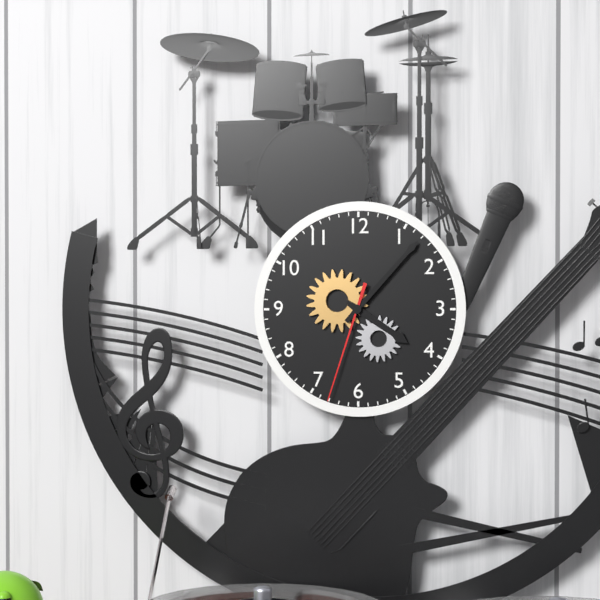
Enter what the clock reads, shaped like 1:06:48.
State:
4:07:33
